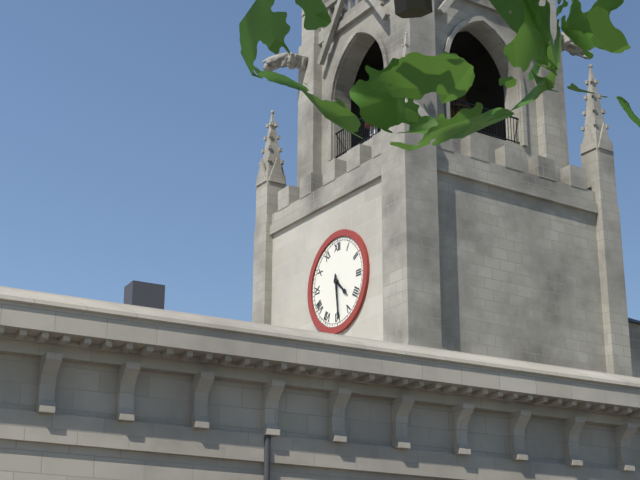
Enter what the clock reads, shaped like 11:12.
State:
4:29
